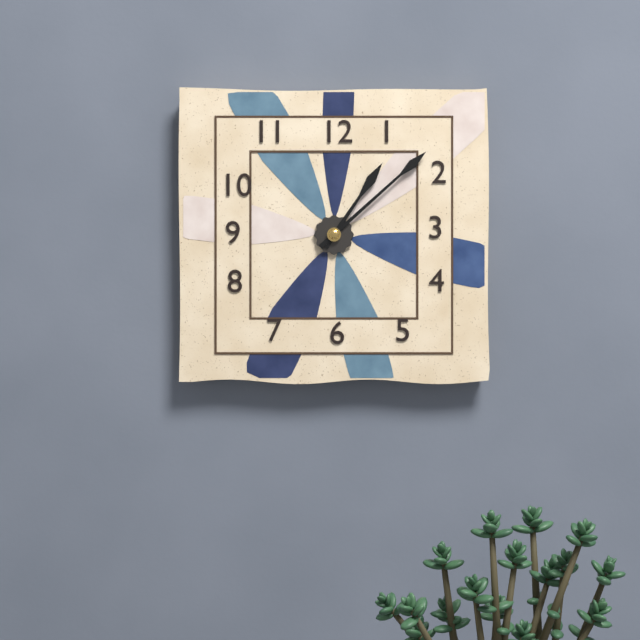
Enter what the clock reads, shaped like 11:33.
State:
1:08
